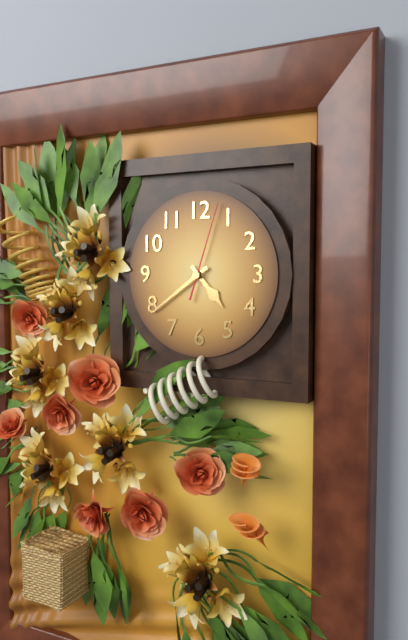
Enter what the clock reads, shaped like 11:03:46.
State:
4:39:03
